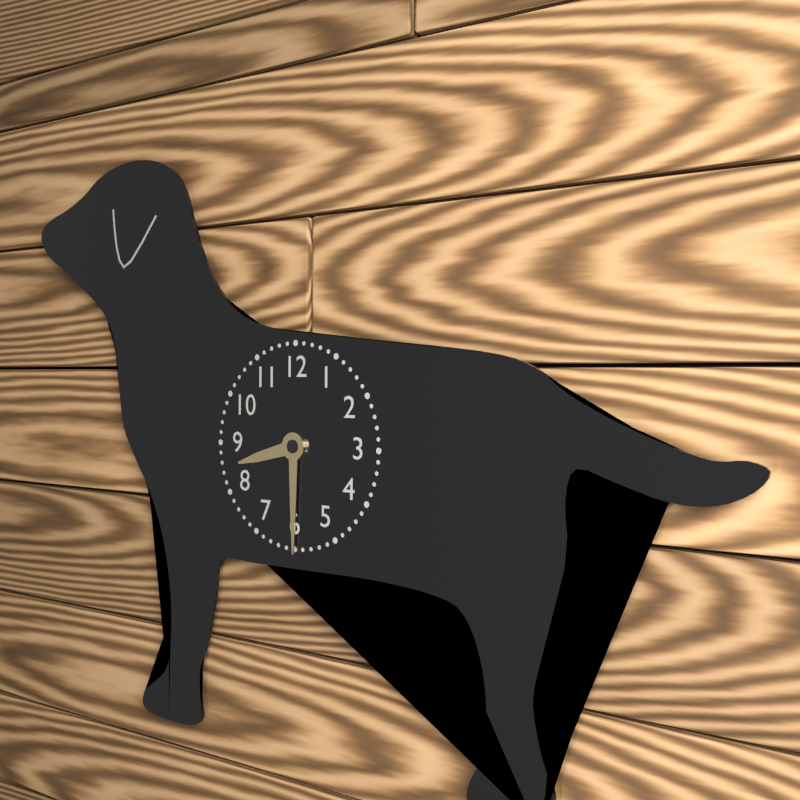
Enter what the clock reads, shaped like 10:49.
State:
8:30
